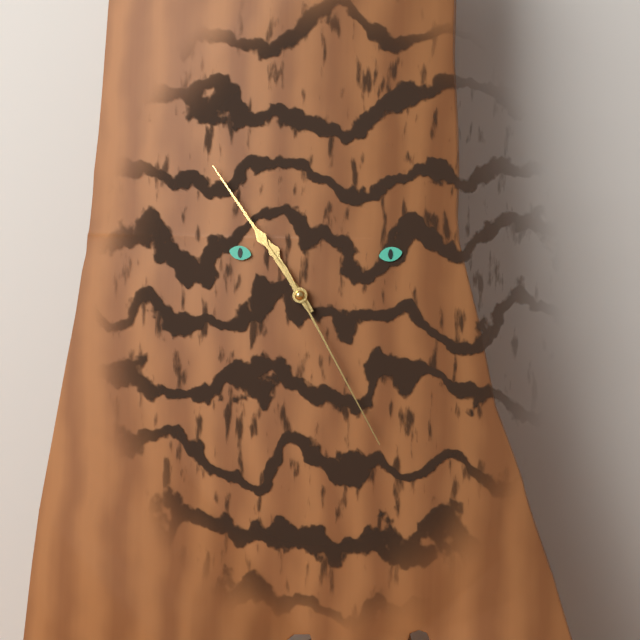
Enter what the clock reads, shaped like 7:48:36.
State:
10:54:25
